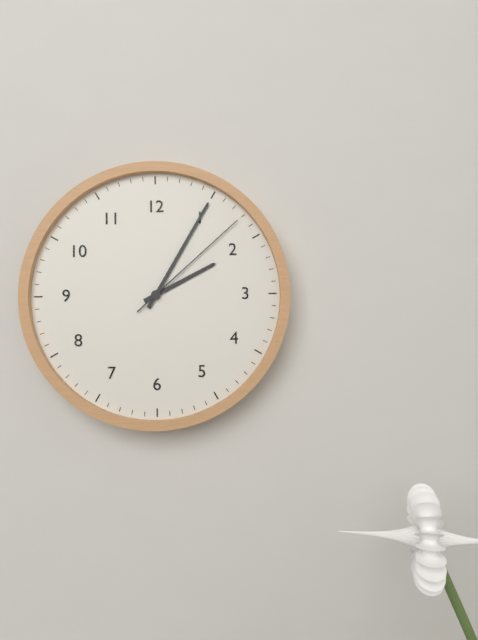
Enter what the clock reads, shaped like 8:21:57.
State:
2:05:08
